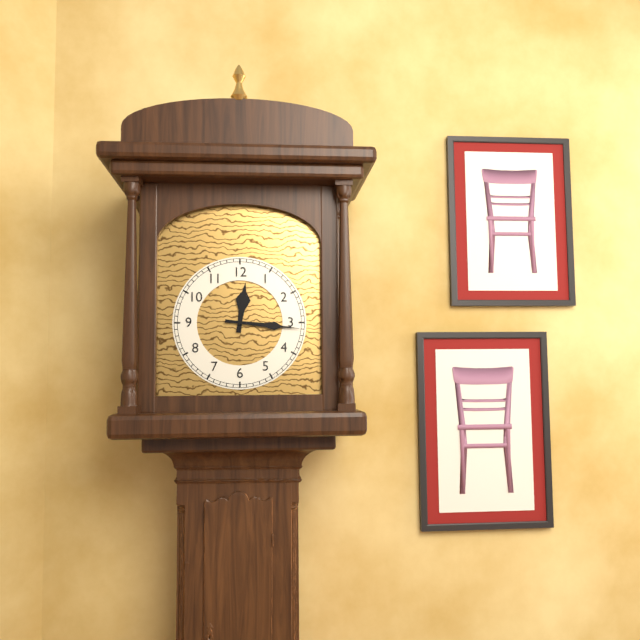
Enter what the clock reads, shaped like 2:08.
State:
12:16
